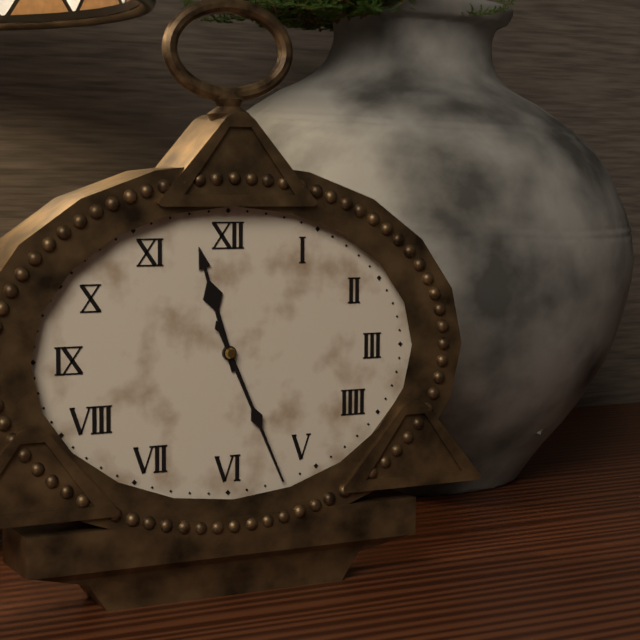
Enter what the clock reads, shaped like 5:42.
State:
11:26
